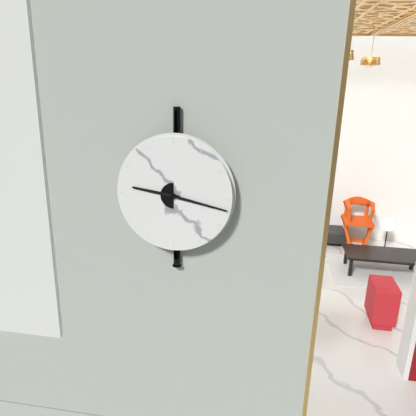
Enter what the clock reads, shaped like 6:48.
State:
9:17
